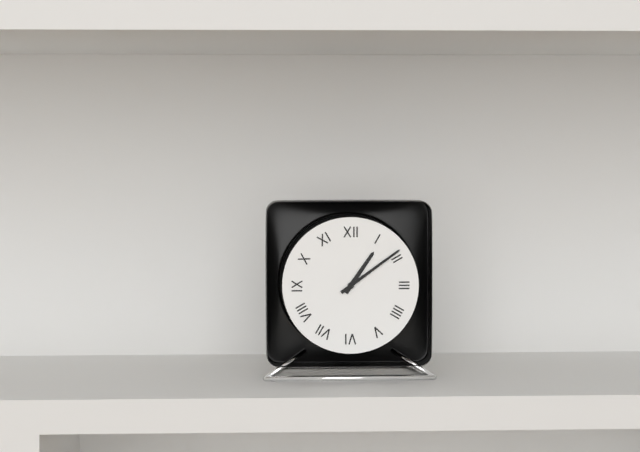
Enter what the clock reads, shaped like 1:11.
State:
1:09
